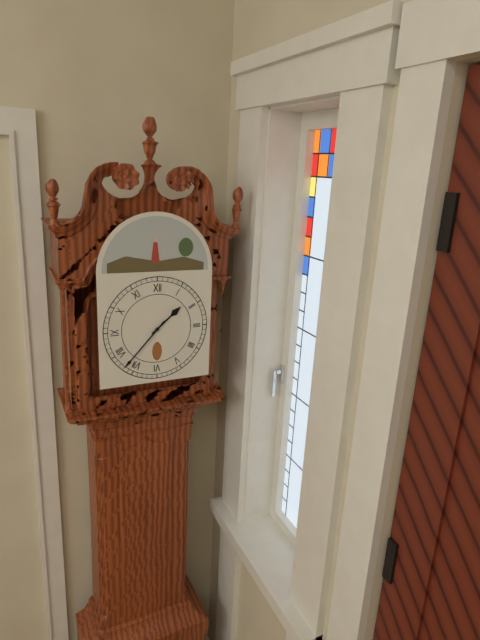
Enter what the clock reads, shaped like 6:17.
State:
1:37
